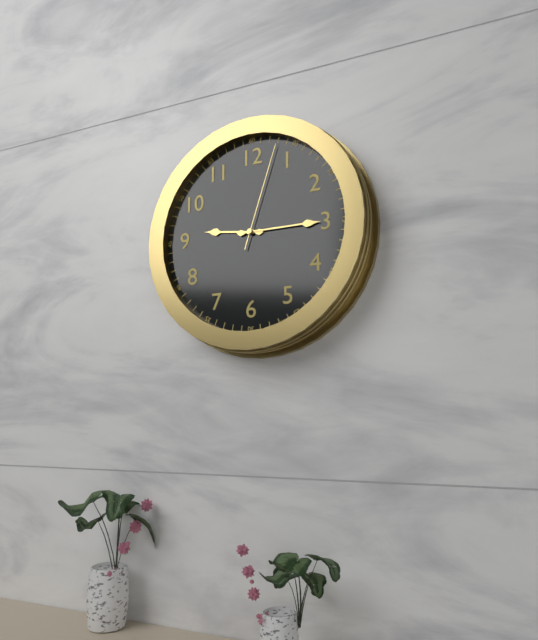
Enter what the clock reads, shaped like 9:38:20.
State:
9:15:03
